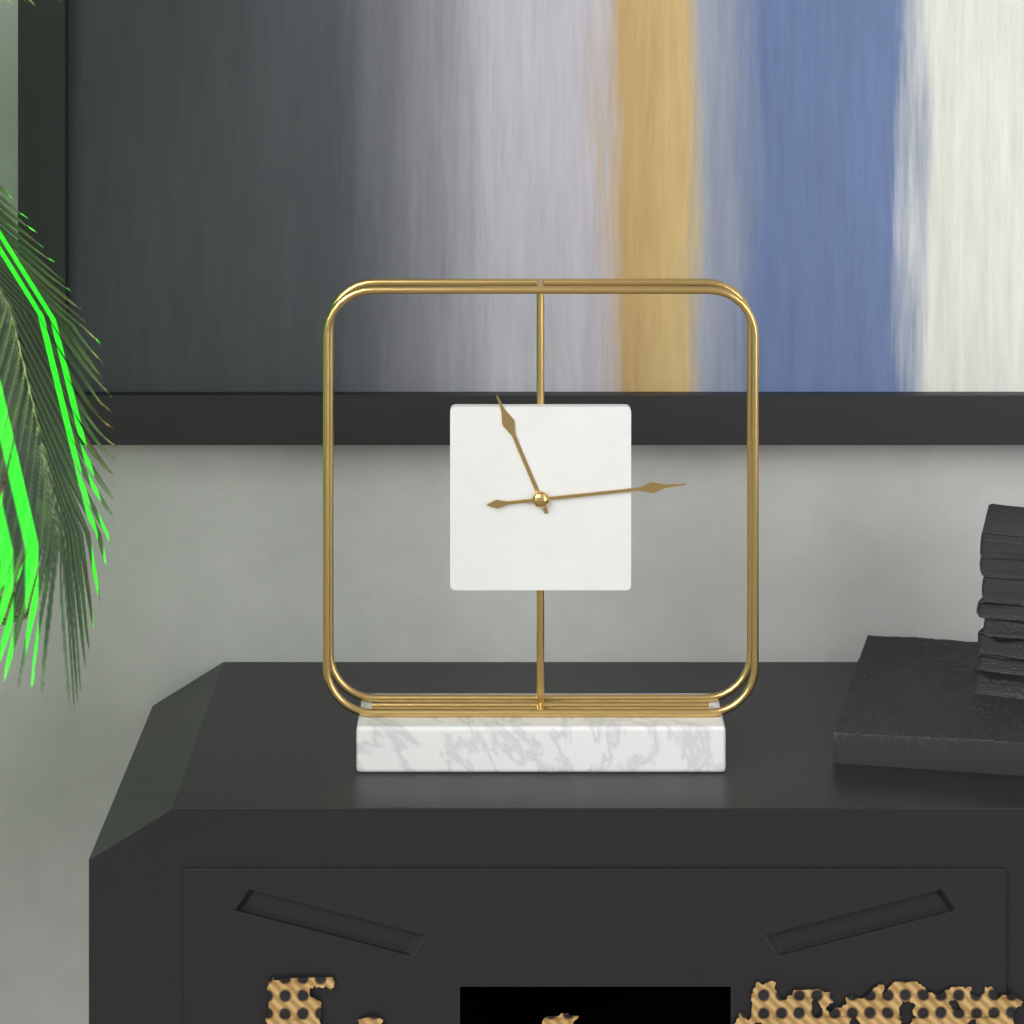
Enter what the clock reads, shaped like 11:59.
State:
11:14
